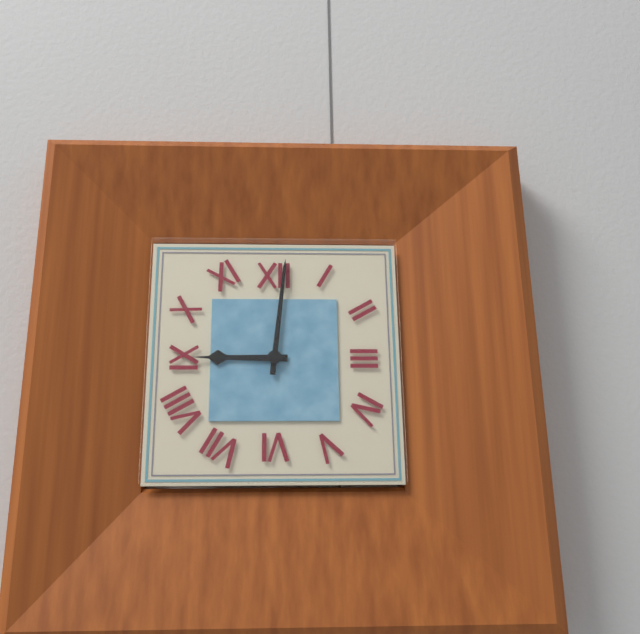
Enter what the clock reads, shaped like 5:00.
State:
9:01
